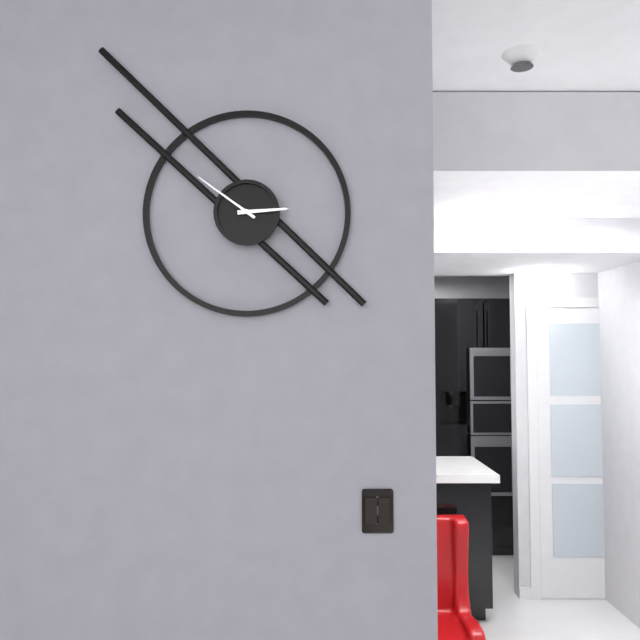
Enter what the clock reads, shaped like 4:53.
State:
2:51
